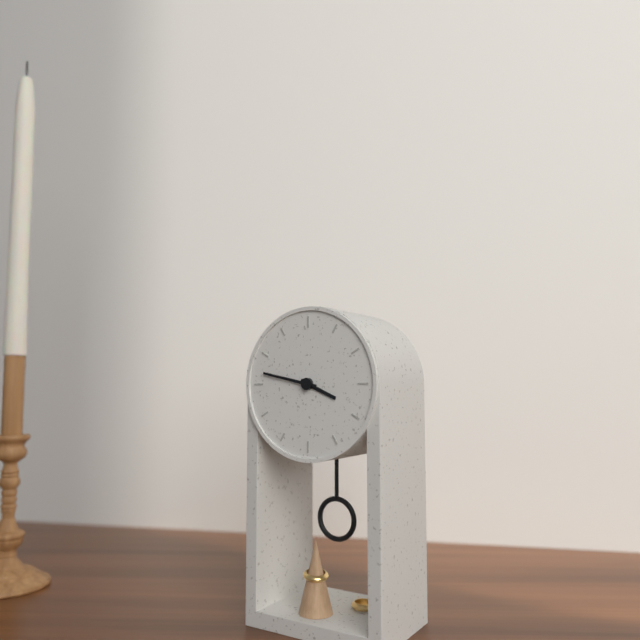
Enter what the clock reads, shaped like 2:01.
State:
3:47
